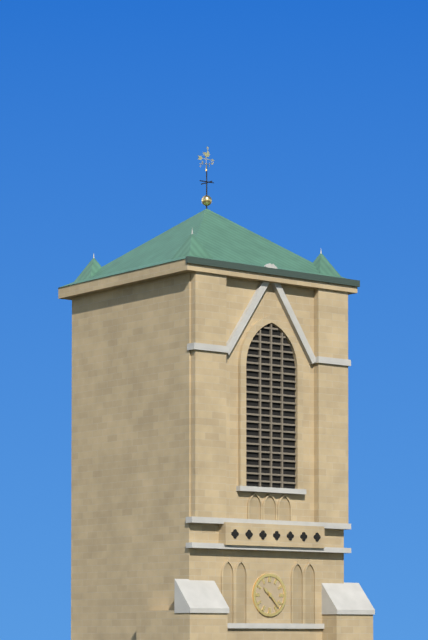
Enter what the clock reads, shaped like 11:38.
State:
10:23
